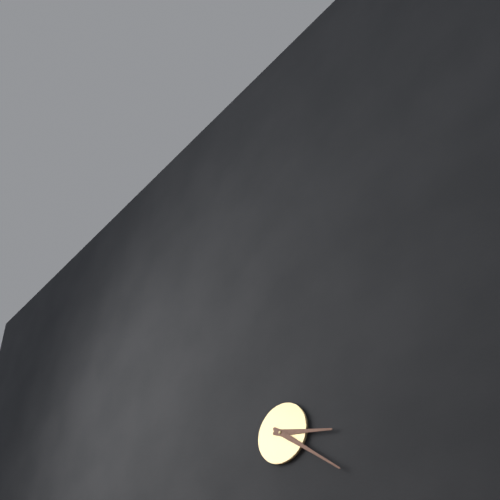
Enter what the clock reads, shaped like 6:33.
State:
3:21
